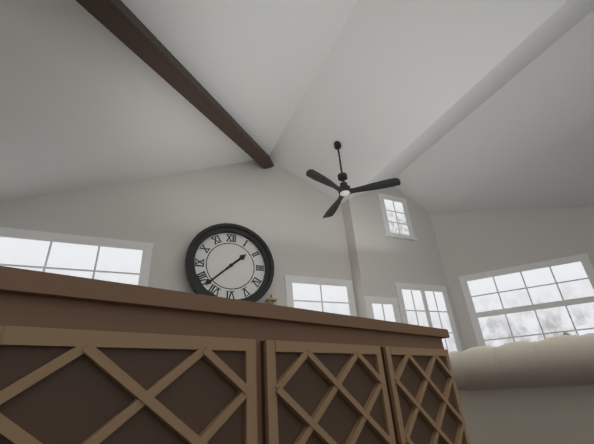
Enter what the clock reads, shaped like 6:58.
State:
1:38
